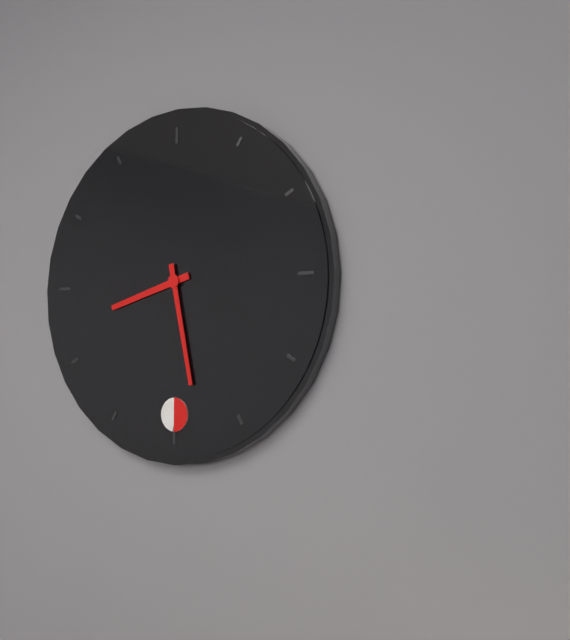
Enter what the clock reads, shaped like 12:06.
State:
8:28
